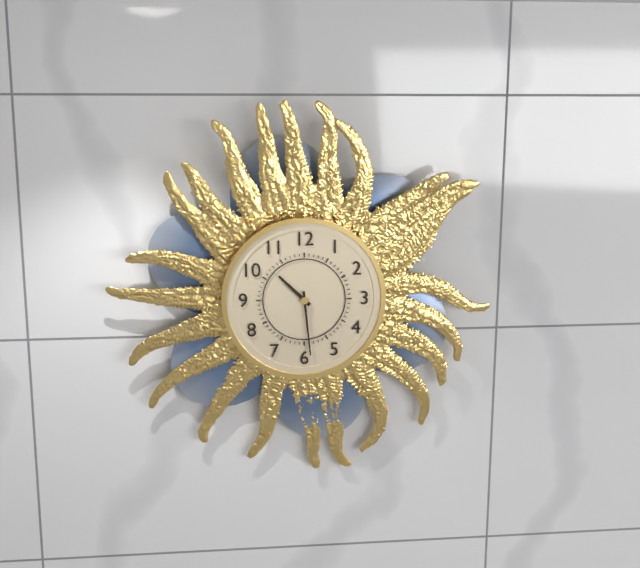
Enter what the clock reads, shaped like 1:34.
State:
10:29
